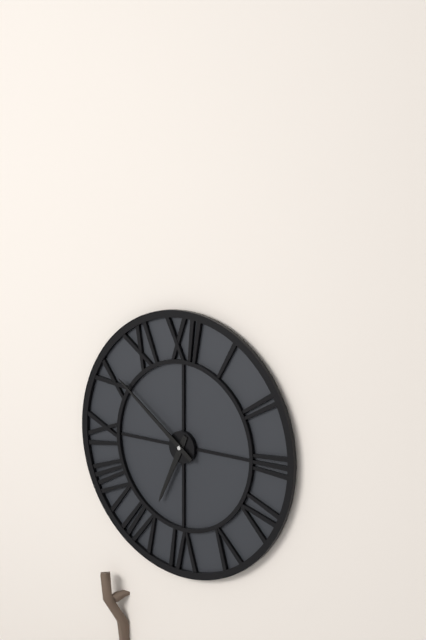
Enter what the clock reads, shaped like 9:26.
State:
6:51
